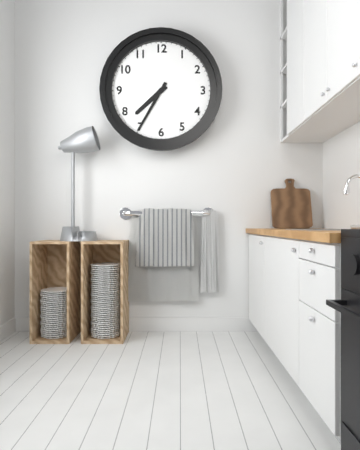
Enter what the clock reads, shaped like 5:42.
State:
7:35
